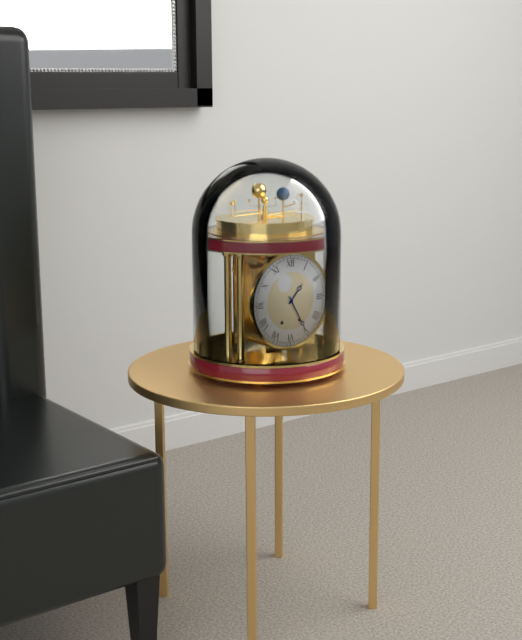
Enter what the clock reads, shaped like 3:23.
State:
1:25
